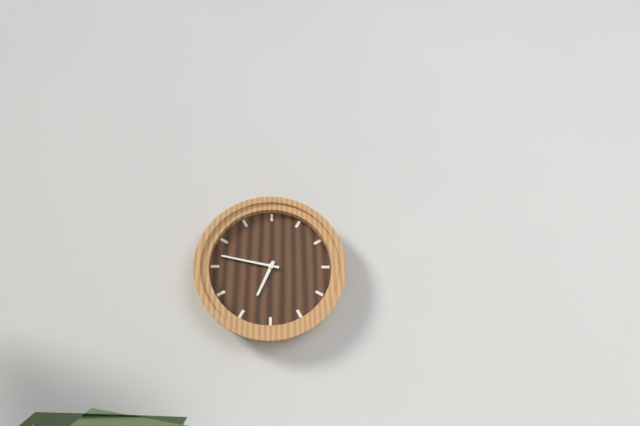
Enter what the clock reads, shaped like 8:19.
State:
6:47
